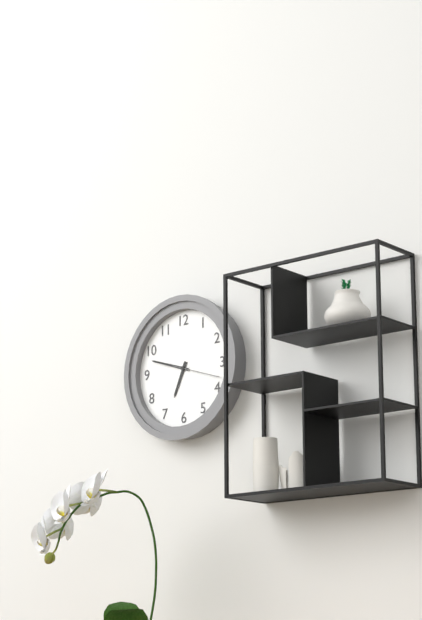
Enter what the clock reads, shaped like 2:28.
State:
6:48
